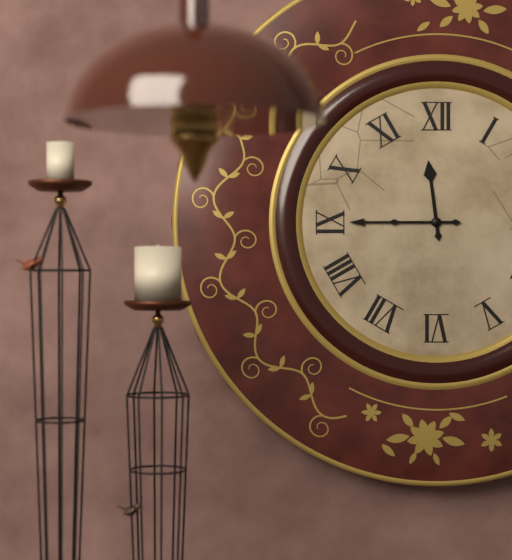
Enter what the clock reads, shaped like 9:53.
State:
11:45
